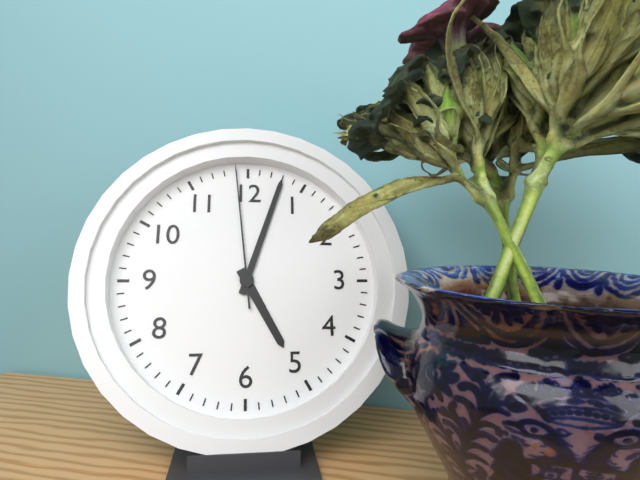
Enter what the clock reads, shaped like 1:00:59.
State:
5:03:59
